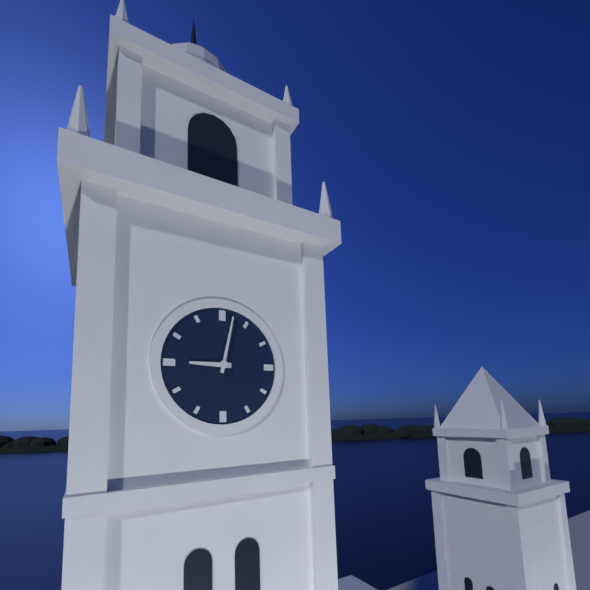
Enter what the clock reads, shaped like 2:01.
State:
9:02
